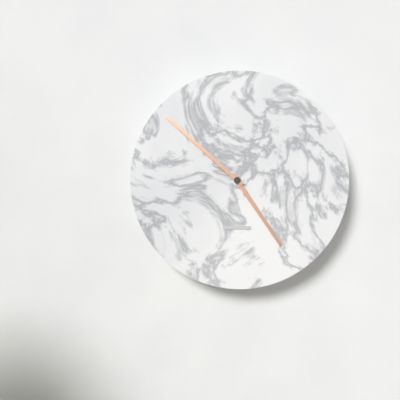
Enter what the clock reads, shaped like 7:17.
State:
4:52
